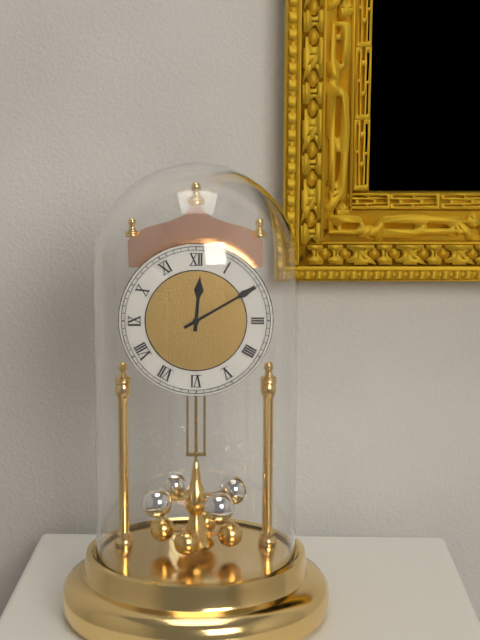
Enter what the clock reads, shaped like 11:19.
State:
12:10
